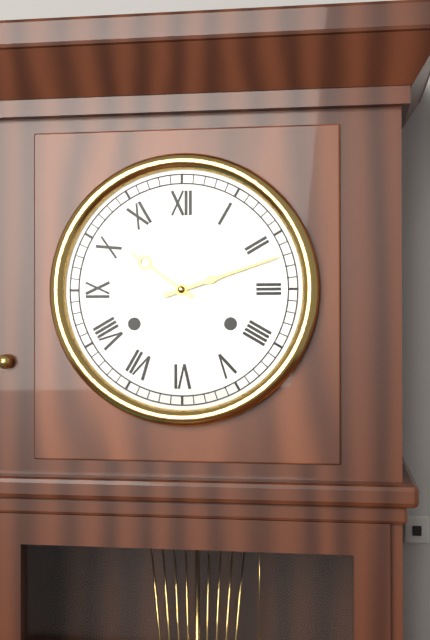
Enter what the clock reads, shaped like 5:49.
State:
10:12
